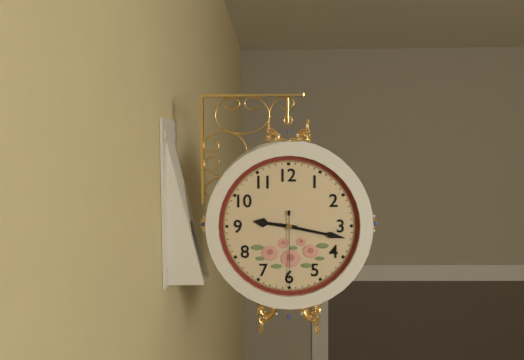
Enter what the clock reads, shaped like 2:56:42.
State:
9:17:30
